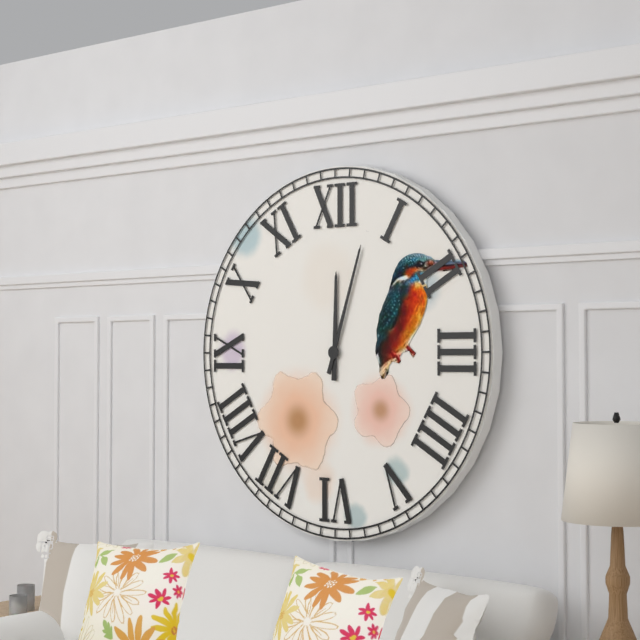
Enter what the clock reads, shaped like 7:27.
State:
12:03
